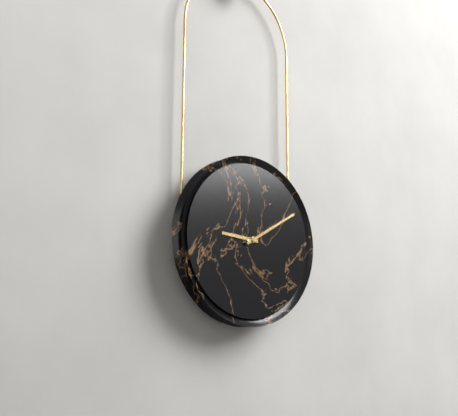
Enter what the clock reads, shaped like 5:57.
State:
9:10
